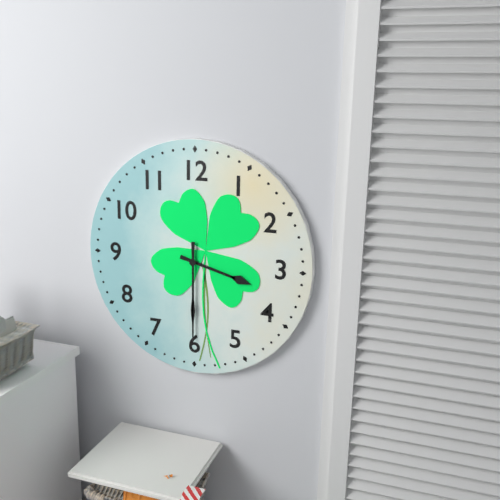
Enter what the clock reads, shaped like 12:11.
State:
3:30
